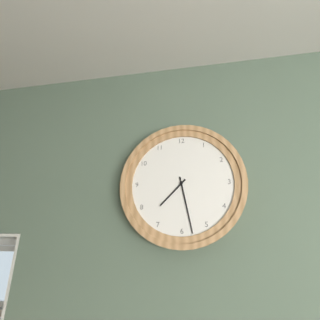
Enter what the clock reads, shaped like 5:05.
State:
7:28
